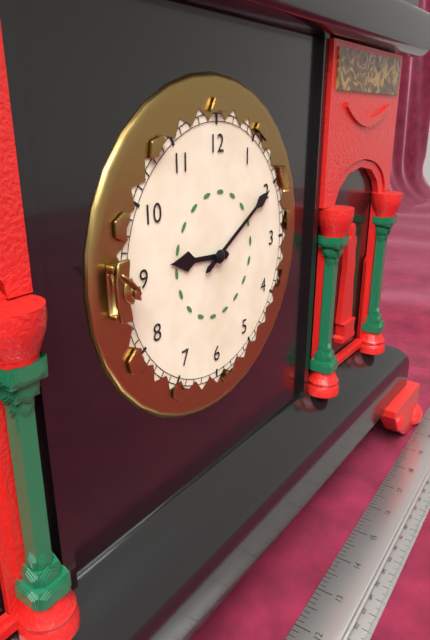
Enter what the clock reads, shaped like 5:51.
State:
9:10
